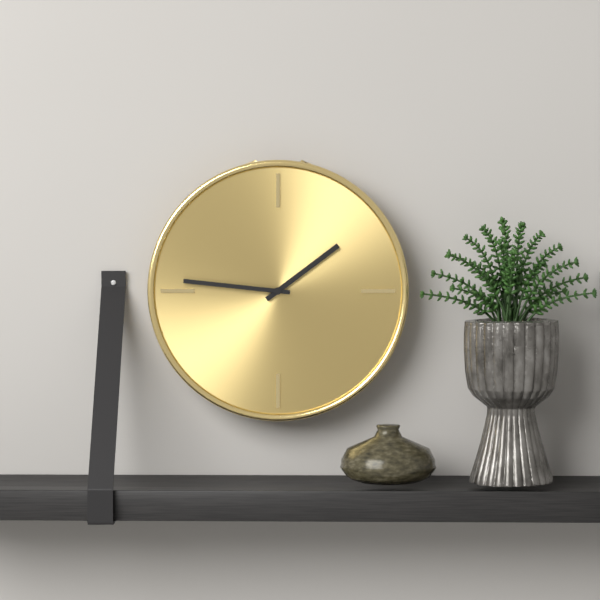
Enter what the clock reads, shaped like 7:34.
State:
1:46
